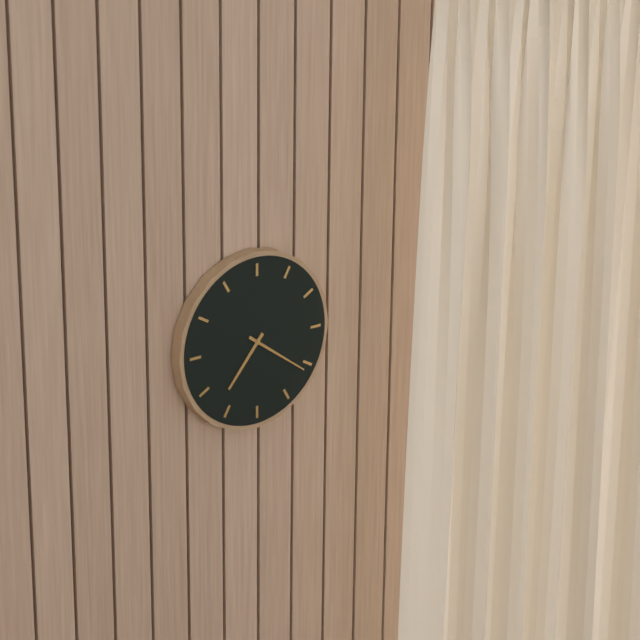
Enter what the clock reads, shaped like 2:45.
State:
7:21
